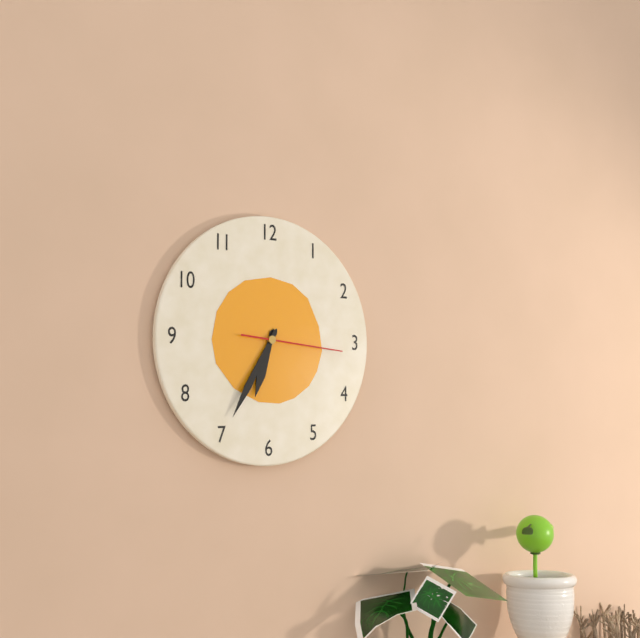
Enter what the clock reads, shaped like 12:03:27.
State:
6:35:16
